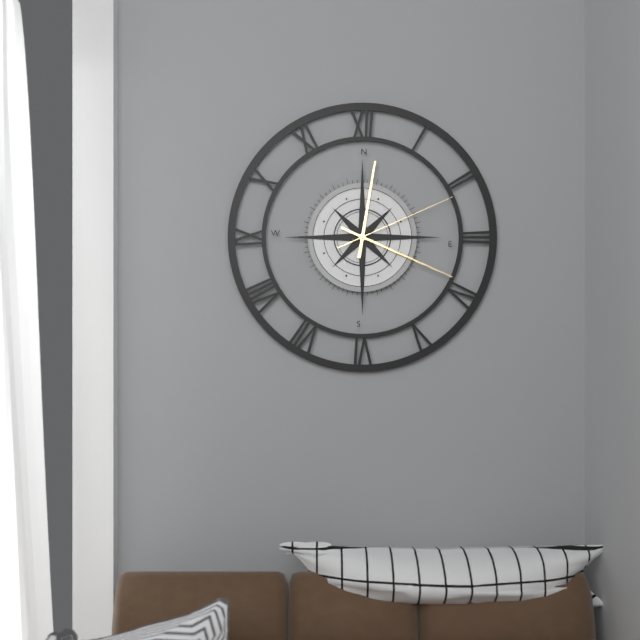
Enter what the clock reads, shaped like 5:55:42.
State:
12:19:11
